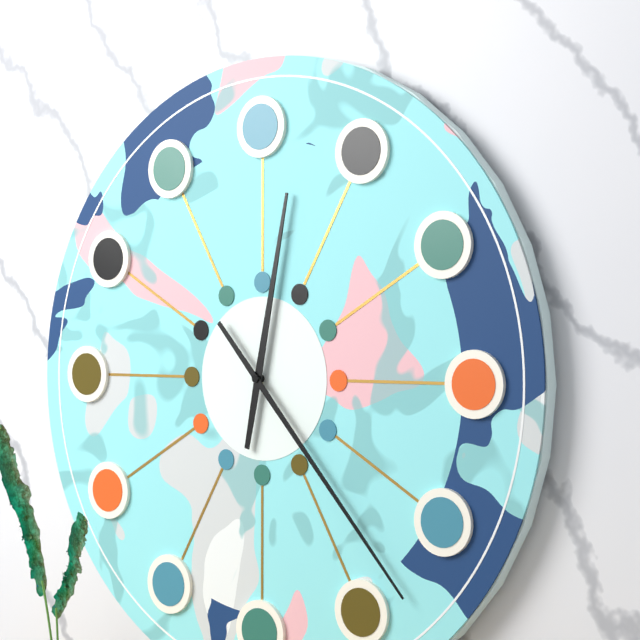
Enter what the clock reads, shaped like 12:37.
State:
12:23
